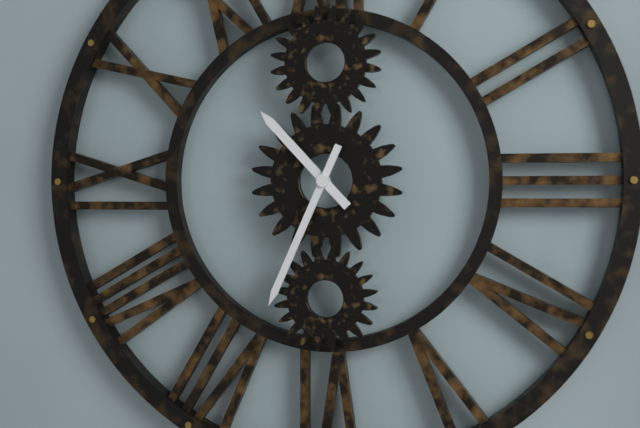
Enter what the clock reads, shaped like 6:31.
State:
10:34
